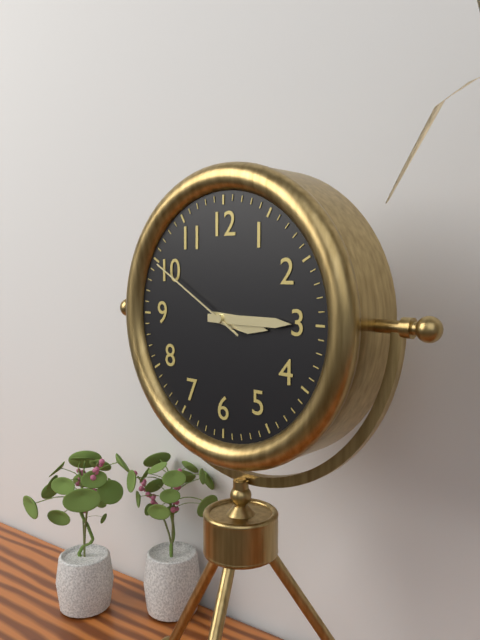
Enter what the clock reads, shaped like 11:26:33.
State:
3:15:50
